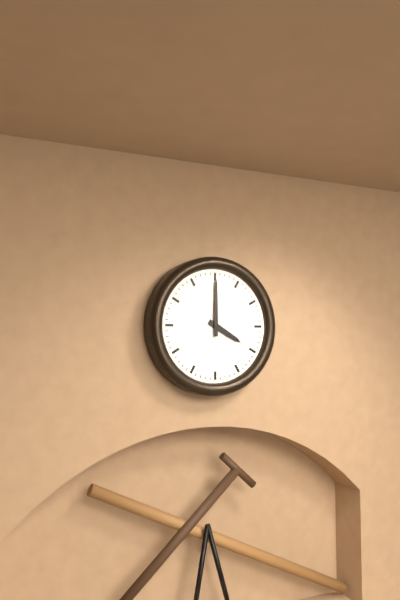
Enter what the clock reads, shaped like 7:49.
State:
4:00
